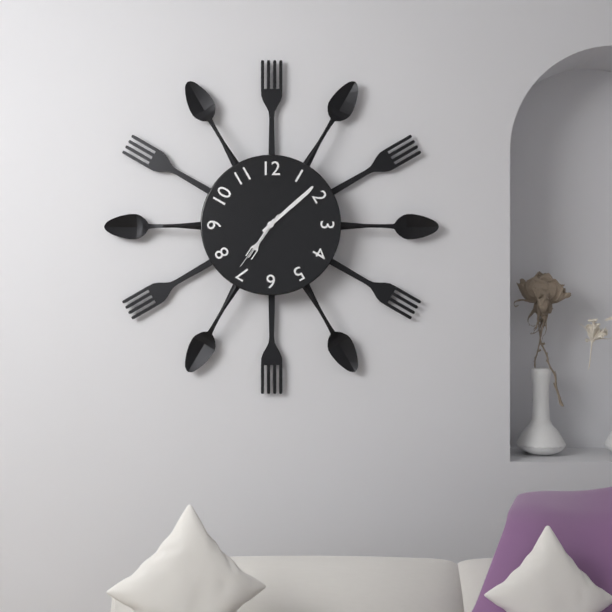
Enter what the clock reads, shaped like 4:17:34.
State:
7:08:36
